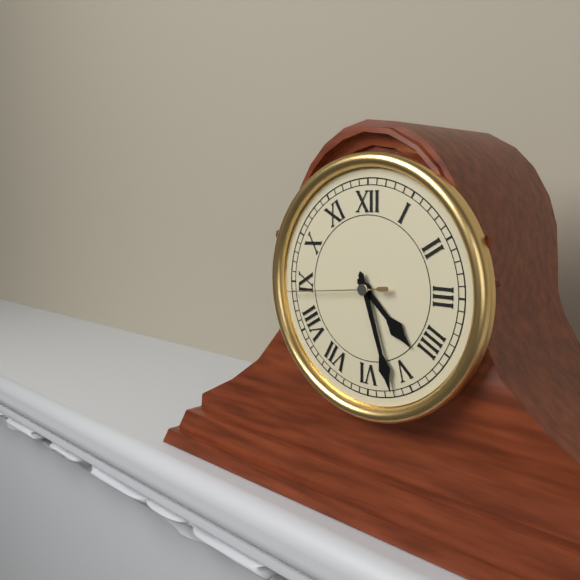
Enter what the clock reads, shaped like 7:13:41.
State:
4:27:44
